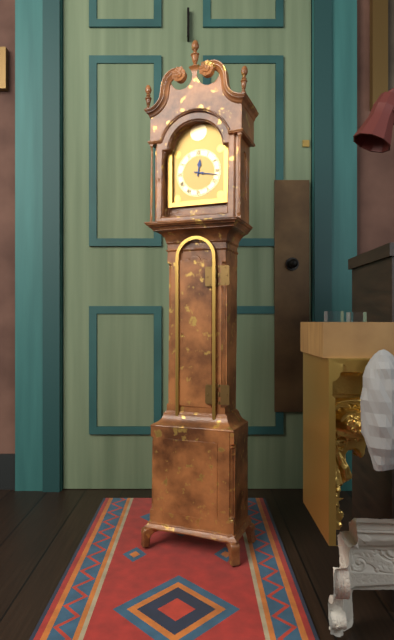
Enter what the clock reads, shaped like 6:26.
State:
12:17
